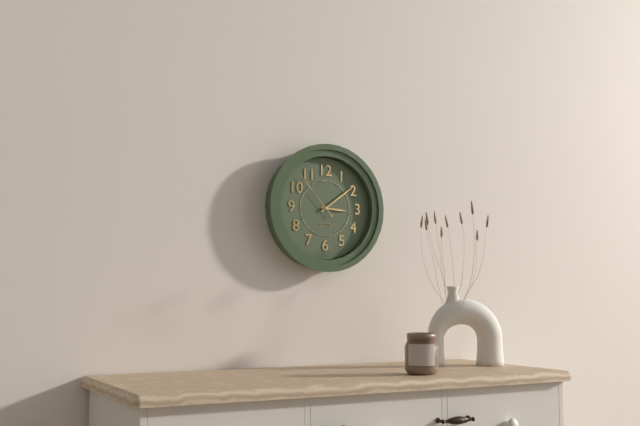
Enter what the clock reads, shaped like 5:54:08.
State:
3:09:53
